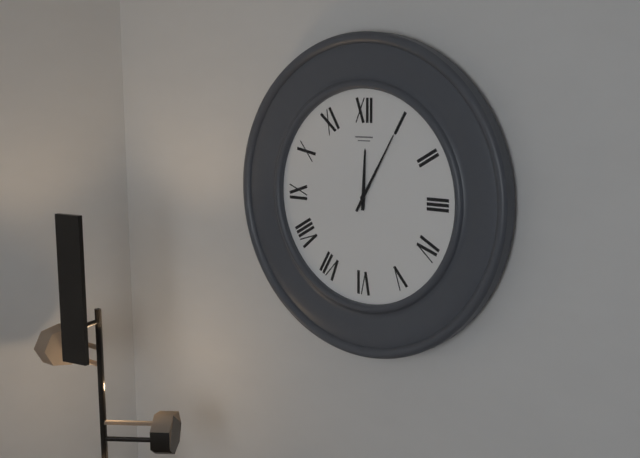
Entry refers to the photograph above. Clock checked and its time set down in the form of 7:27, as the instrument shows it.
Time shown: 12:05
